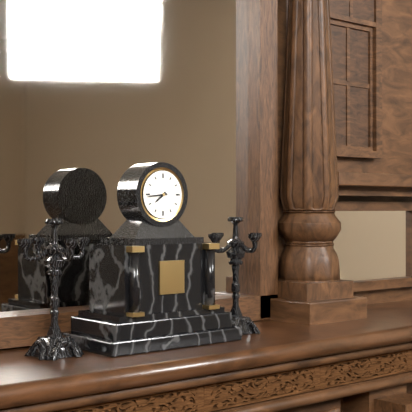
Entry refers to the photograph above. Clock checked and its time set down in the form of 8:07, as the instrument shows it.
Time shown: 7:44
